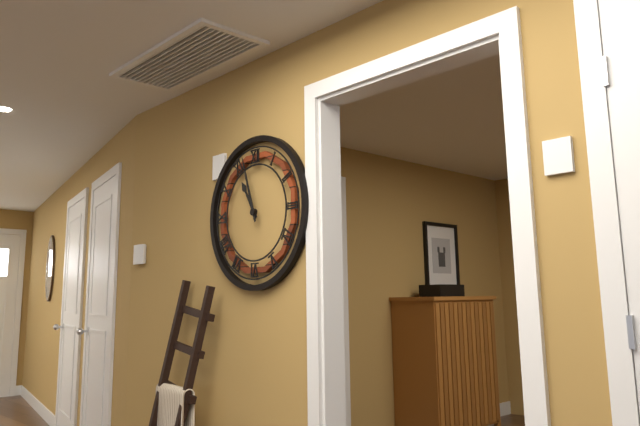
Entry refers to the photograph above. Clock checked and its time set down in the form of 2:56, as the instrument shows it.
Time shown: 10:57
